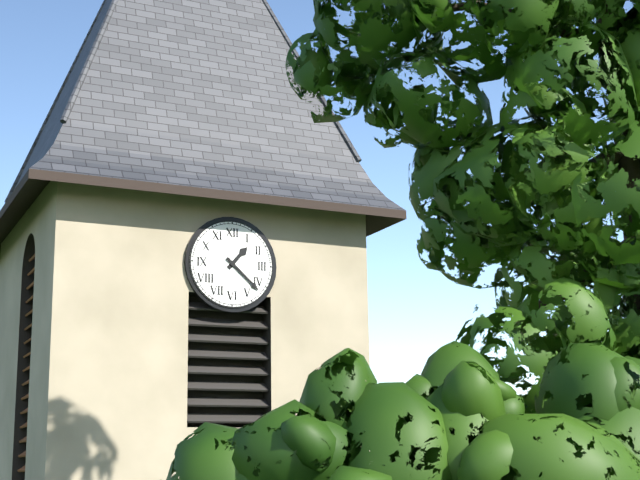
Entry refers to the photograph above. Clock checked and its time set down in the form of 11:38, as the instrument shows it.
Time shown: 1:22
